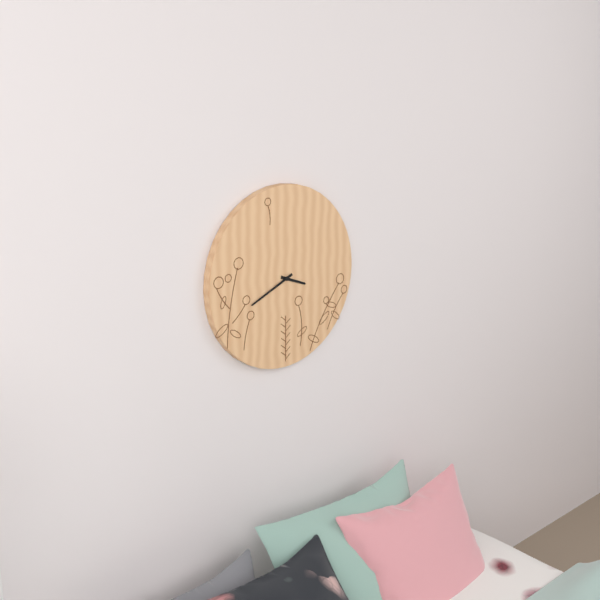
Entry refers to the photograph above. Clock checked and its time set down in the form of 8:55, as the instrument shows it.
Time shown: 3:41
